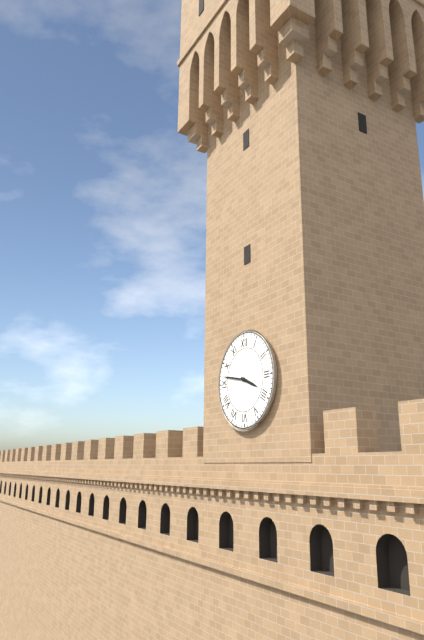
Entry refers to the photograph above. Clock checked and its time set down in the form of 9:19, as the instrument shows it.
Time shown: 3:47
